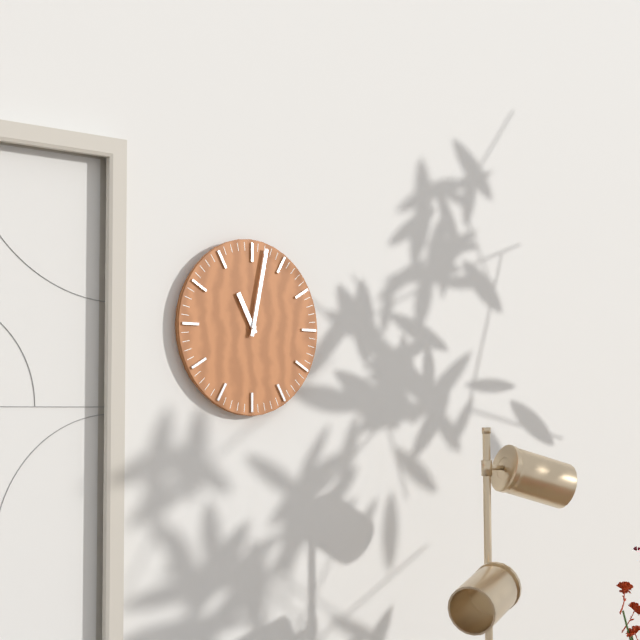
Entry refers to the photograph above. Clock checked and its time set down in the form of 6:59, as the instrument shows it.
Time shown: 11:02
